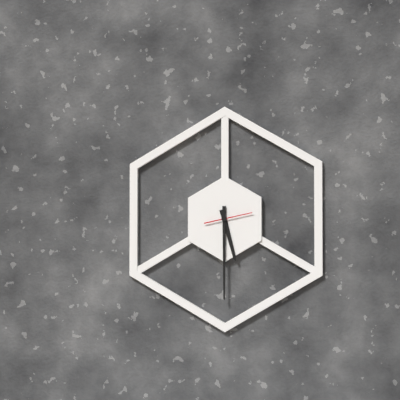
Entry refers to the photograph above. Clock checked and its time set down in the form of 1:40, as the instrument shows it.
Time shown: 5:30
